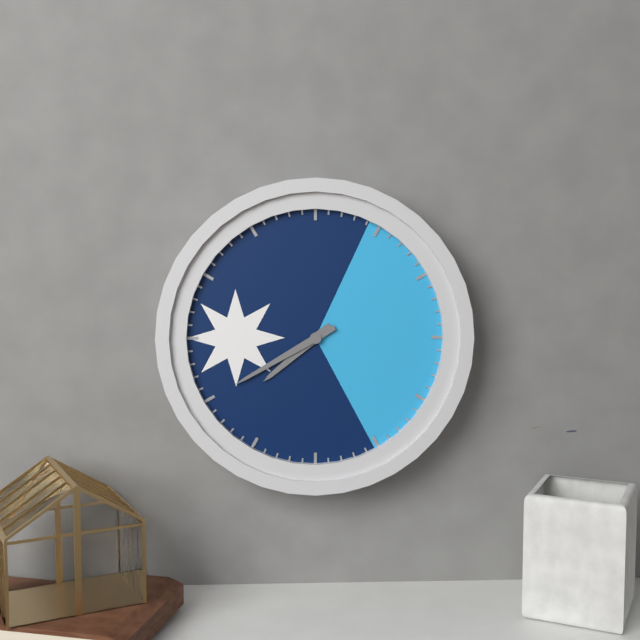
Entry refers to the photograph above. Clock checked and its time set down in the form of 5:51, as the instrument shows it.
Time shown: 7:40
